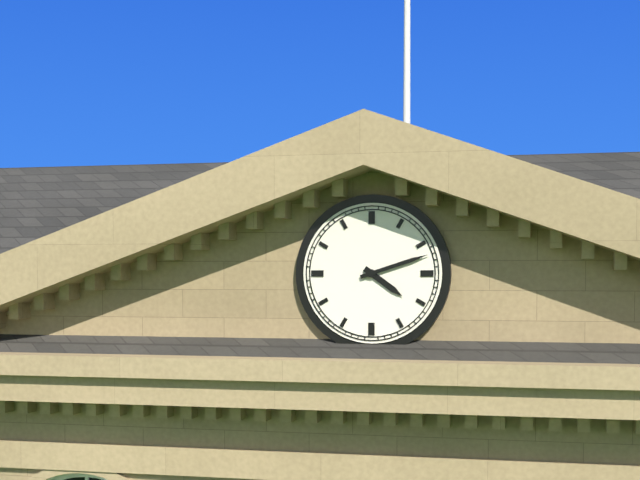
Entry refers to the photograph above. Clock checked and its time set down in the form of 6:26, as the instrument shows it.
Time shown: 4:12
